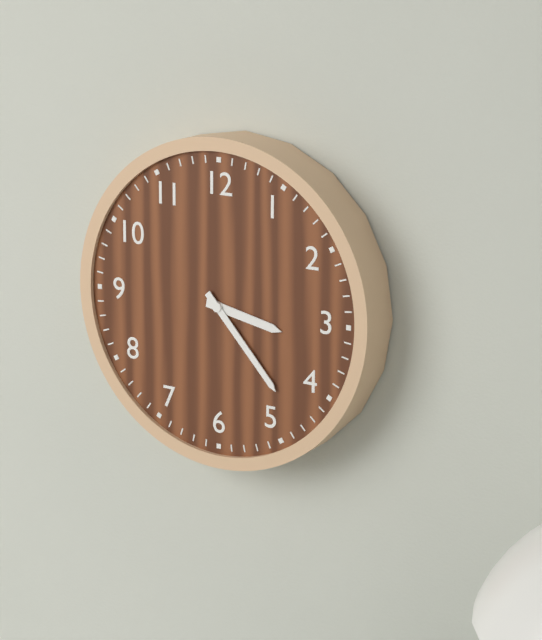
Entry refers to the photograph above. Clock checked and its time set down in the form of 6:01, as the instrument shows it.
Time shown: 3:23
